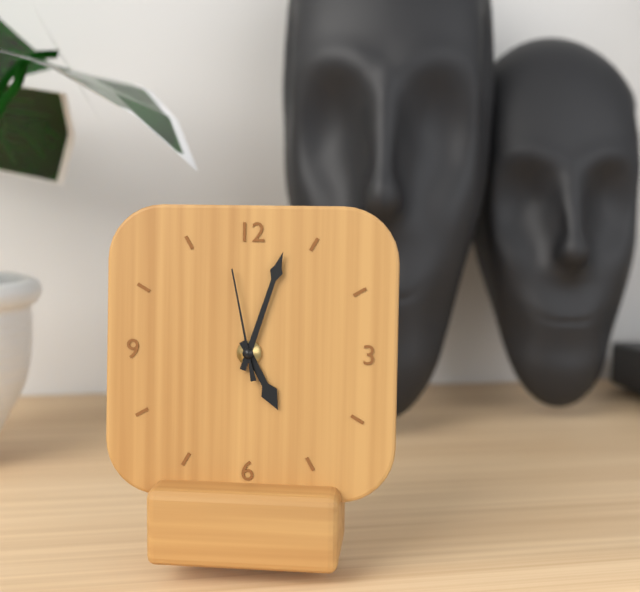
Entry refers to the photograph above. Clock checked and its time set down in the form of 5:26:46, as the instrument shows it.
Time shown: 5:03:58
